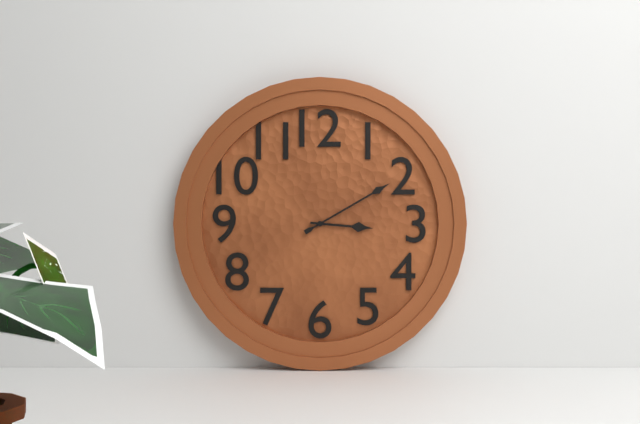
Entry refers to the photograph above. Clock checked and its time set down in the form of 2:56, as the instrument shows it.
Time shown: 3:10
